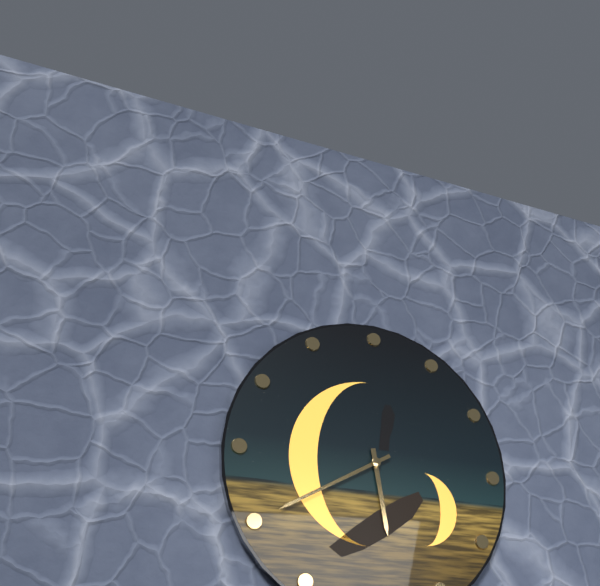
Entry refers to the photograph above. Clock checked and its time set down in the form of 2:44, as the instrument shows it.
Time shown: 5:40
